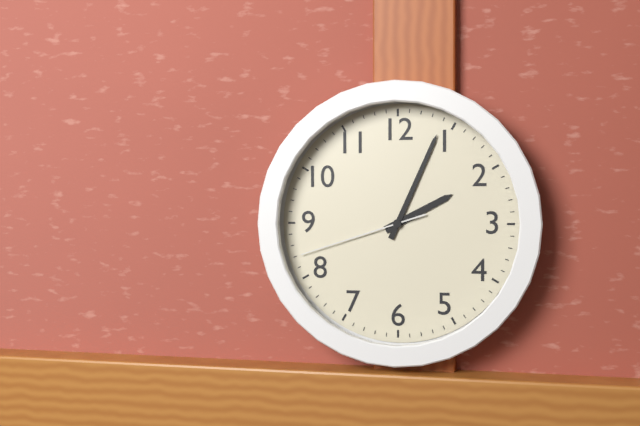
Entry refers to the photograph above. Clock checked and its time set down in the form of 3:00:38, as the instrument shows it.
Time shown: 2:04:42
